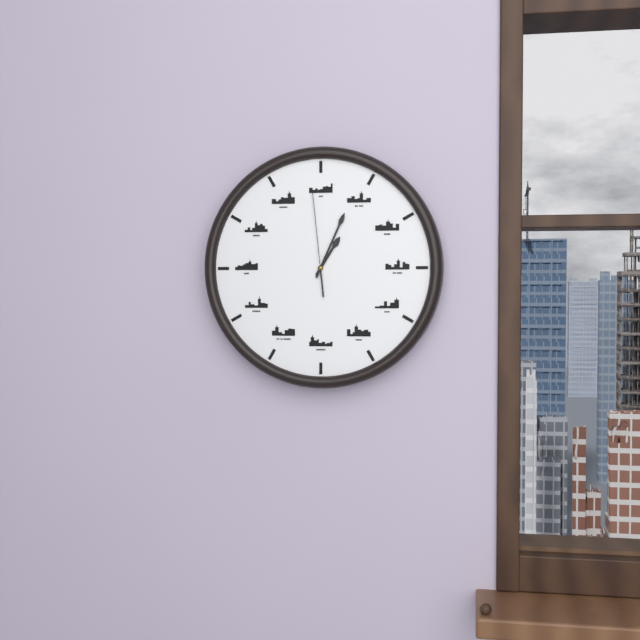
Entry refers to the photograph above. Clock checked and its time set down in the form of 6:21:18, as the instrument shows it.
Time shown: 1:04:59
